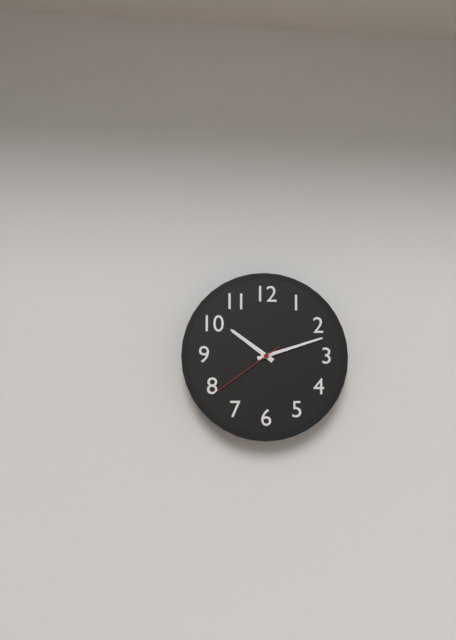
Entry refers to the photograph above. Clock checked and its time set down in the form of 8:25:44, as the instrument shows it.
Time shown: 10:12:39
